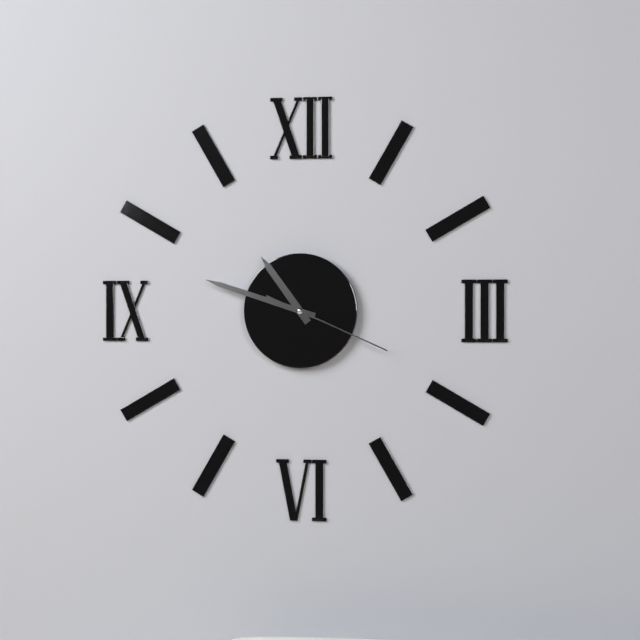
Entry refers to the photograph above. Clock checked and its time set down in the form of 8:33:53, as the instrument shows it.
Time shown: 10:48:19
